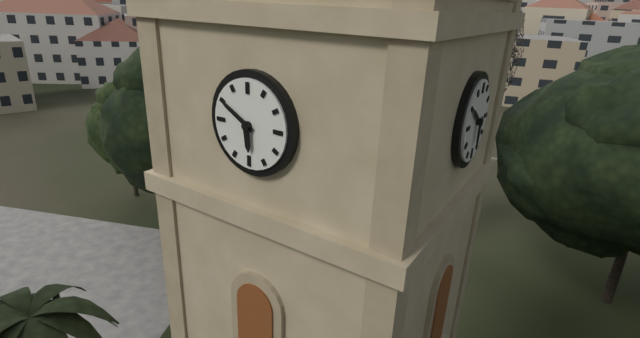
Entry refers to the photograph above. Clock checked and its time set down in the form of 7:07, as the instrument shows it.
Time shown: 5:50
